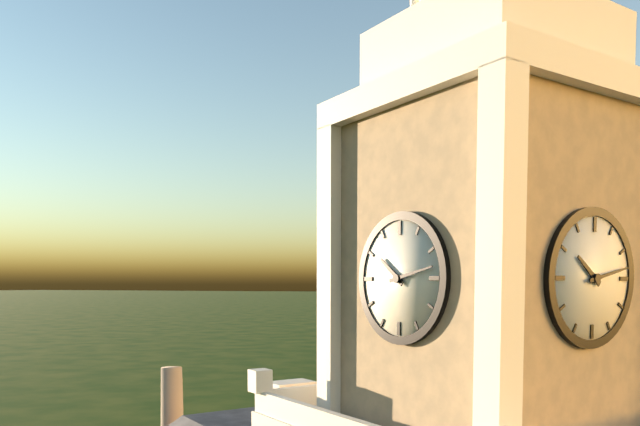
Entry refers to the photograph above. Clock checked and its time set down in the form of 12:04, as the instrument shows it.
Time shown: 10:13
